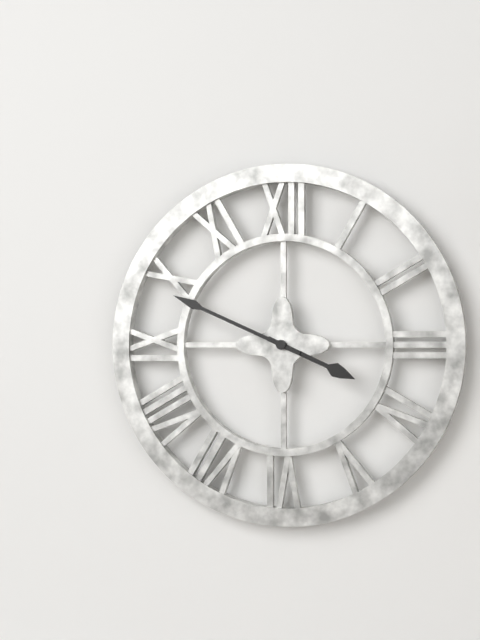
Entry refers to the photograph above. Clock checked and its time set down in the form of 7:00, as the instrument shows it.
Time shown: 3:49
